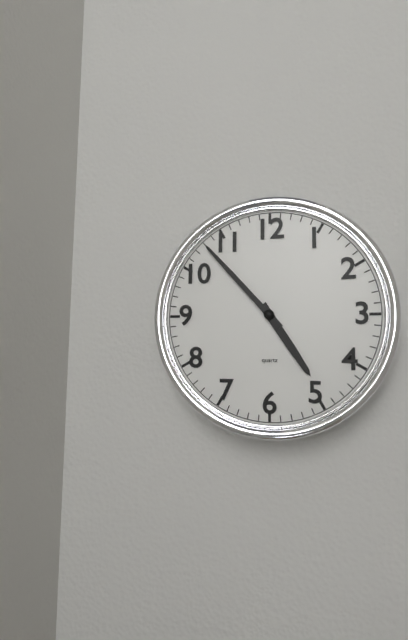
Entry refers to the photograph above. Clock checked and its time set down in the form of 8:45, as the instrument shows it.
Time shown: 4:53
